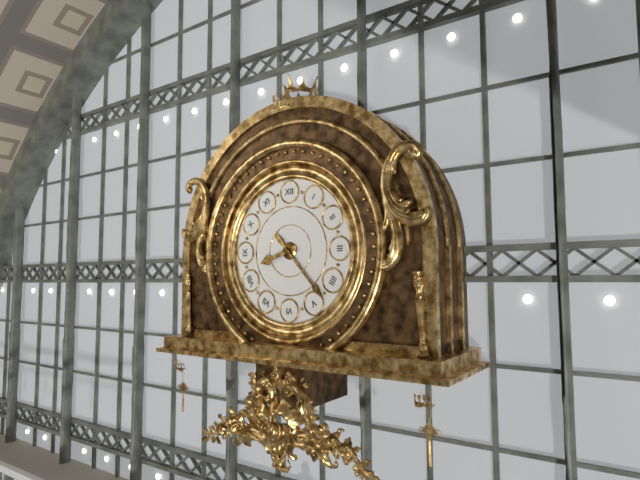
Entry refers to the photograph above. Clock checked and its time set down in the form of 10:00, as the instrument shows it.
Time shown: 8:23
